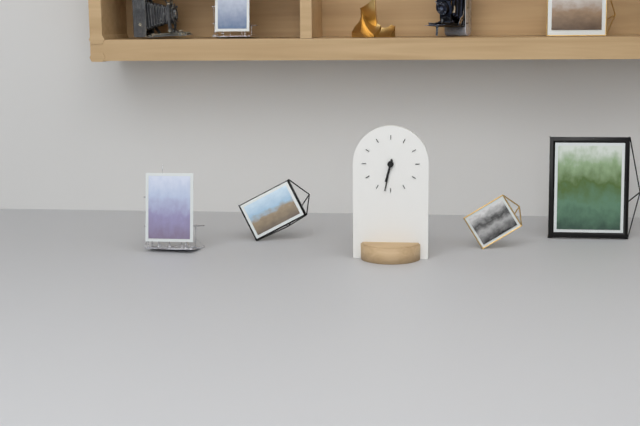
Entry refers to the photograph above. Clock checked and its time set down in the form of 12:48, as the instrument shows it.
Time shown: 6:32
